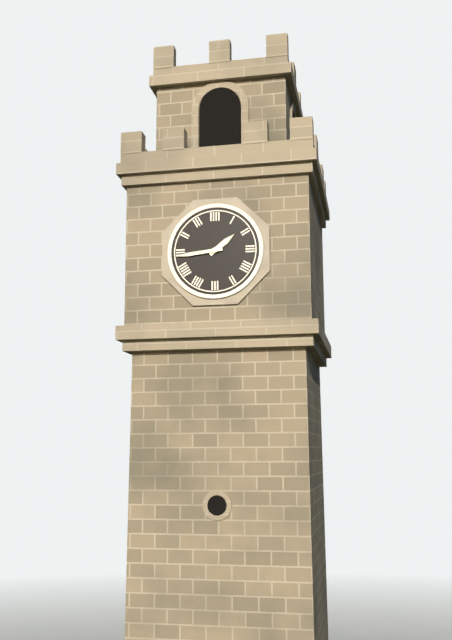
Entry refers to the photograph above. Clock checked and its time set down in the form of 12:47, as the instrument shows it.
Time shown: 1:44
